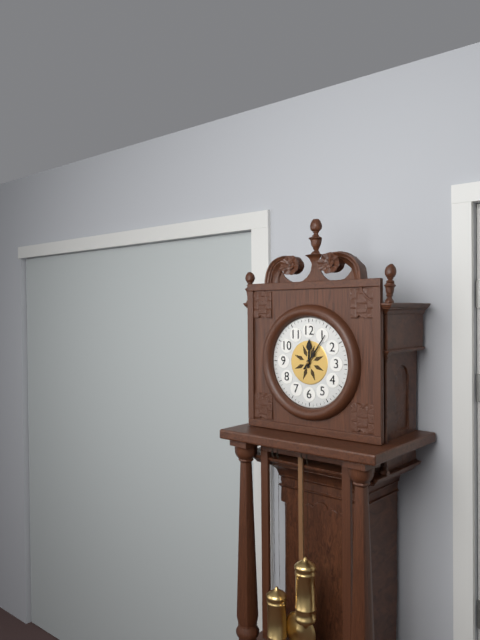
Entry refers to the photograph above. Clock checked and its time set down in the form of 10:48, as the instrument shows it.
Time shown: 12:06
